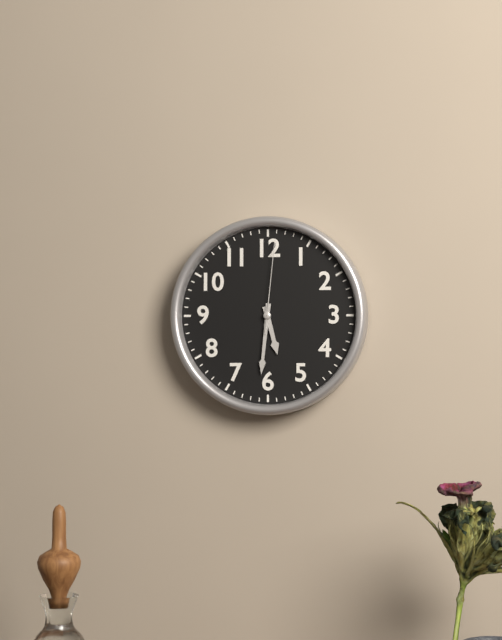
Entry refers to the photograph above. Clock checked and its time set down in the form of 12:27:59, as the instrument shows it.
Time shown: 5:31:01
